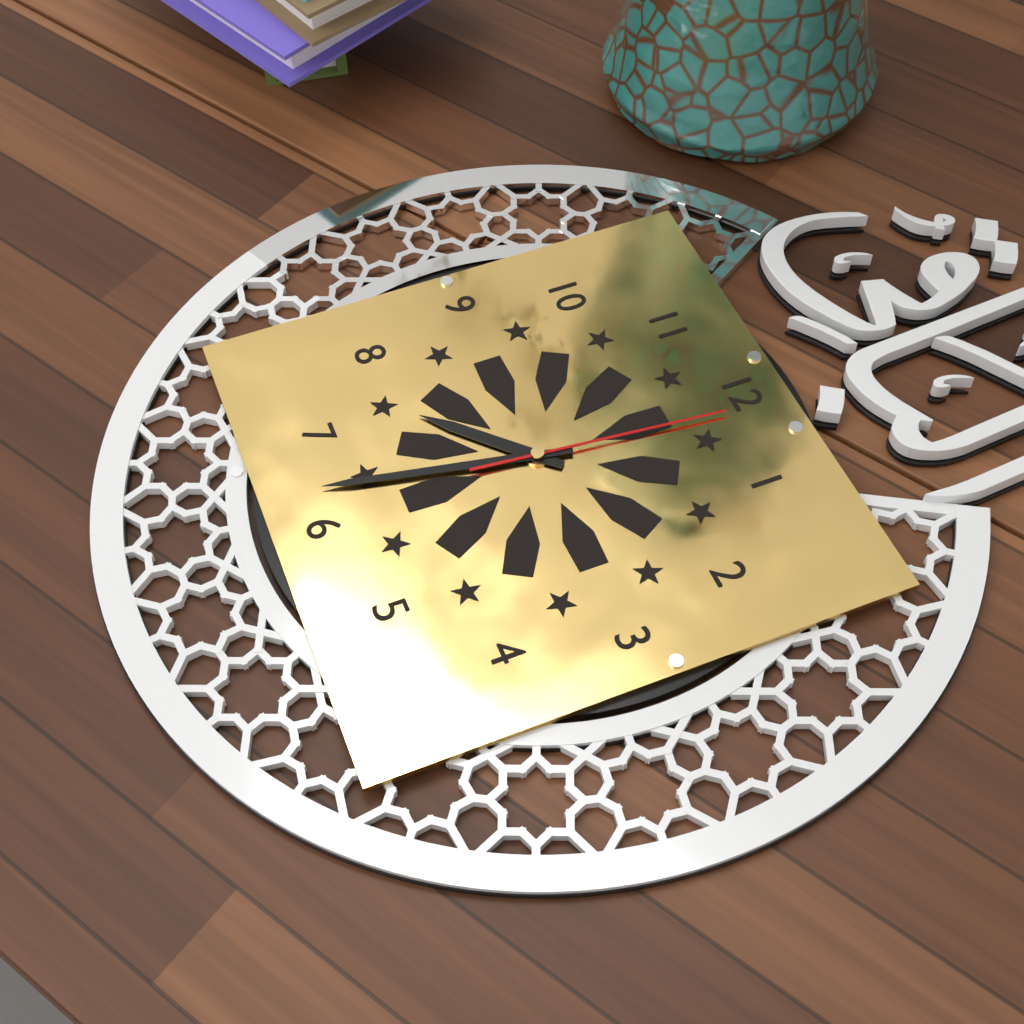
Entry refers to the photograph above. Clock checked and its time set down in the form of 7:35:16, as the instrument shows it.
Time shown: 7:32:01
